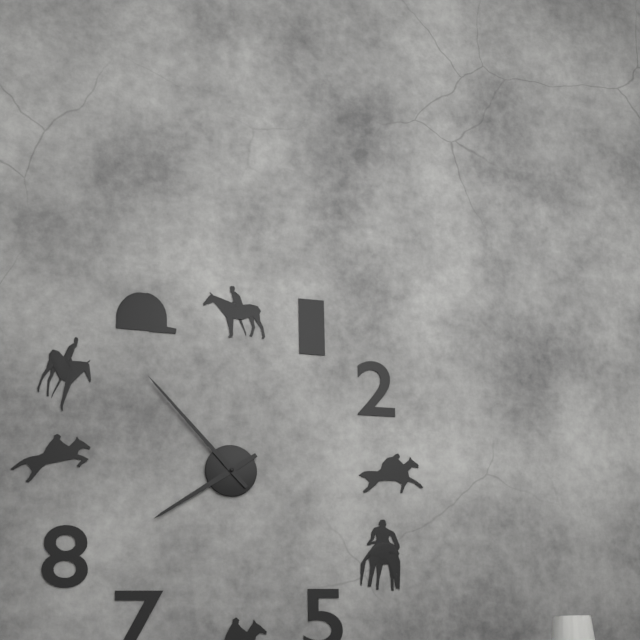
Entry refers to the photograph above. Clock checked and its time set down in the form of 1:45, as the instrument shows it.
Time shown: 7:53
